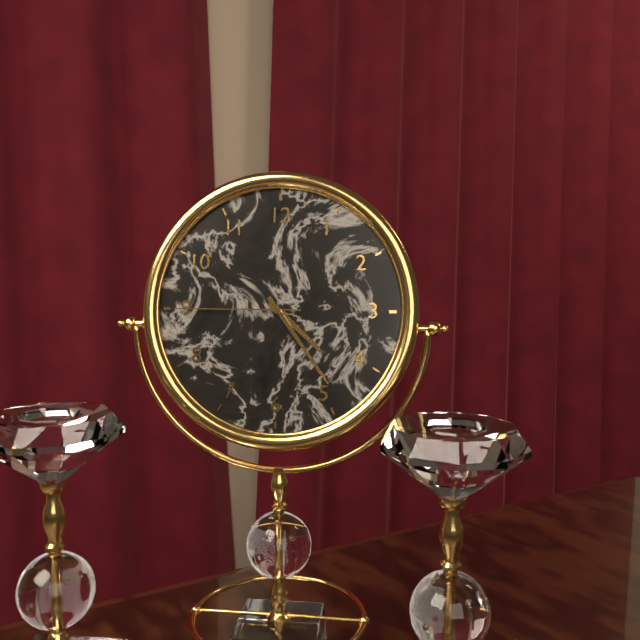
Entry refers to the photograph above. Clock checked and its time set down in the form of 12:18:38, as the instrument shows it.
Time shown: 4:24:45
